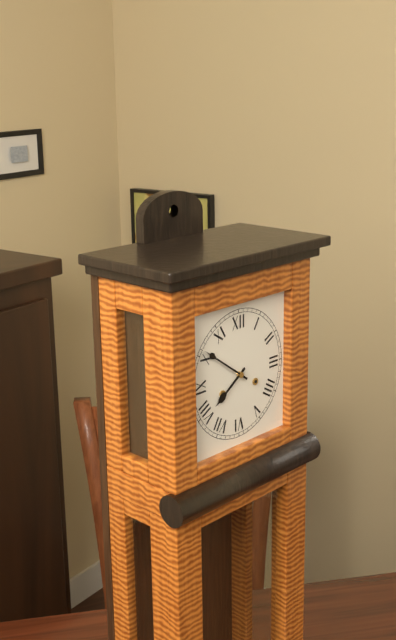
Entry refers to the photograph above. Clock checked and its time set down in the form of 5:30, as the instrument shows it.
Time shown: 7:51
